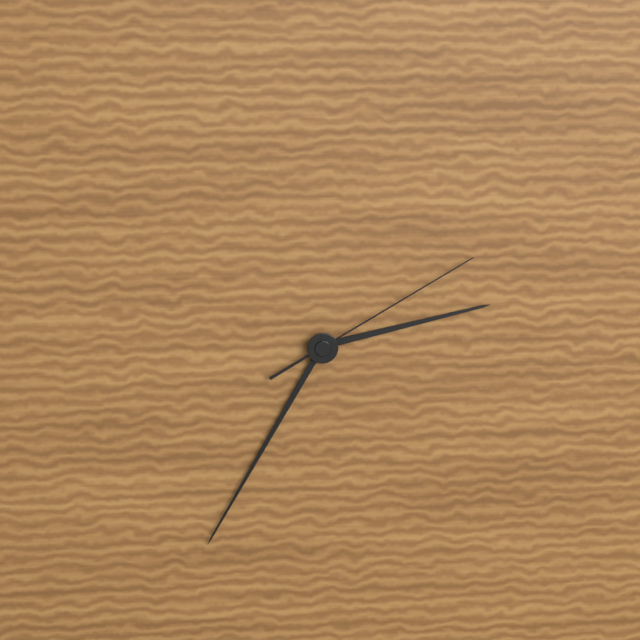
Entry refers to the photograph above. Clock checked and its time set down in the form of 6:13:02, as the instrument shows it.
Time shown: 2:35:10
